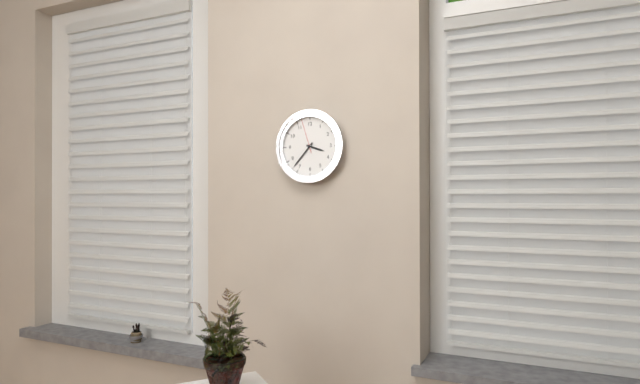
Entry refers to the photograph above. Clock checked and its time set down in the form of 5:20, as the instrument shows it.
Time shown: 3:37
